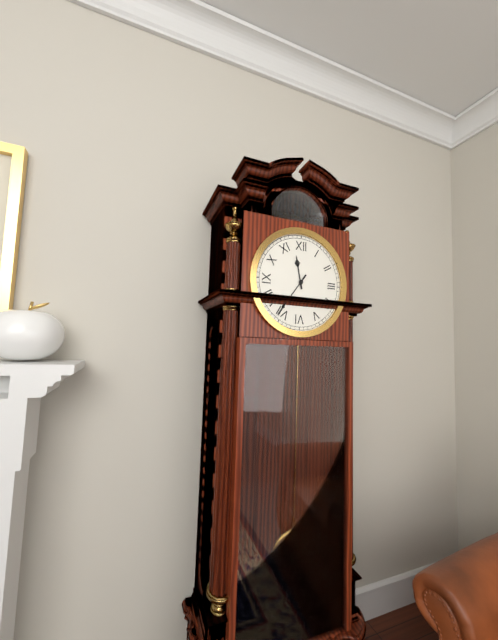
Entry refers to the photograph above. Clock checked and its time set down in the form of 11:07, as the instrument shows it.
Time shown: 11:36
